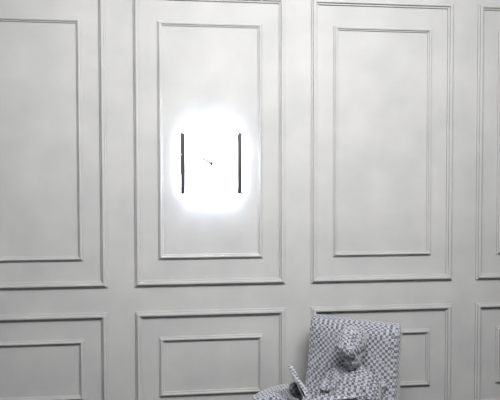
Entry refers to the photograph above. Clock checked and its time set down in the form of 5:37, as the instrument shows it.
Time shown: 10:02
